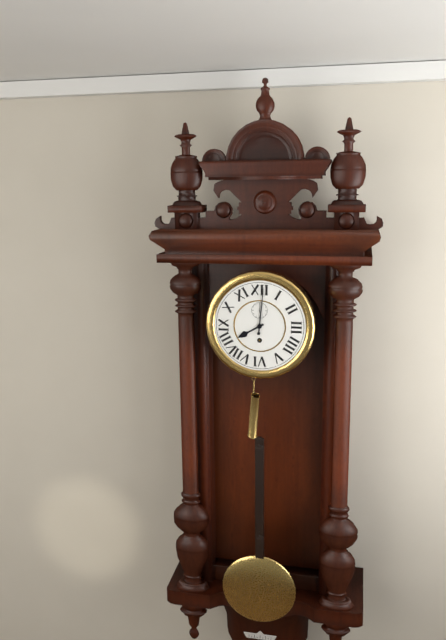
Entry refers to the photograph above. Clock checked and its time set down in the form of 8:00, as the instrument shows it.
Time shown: 8:01
